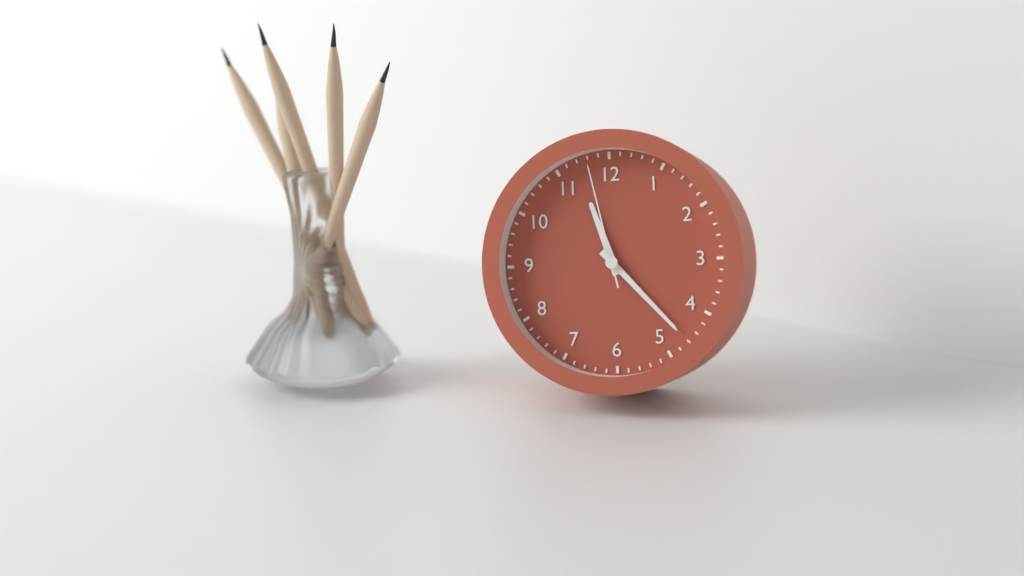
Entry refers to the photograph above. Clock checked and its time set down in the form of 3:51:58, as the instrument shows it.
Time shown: 11:23:58
